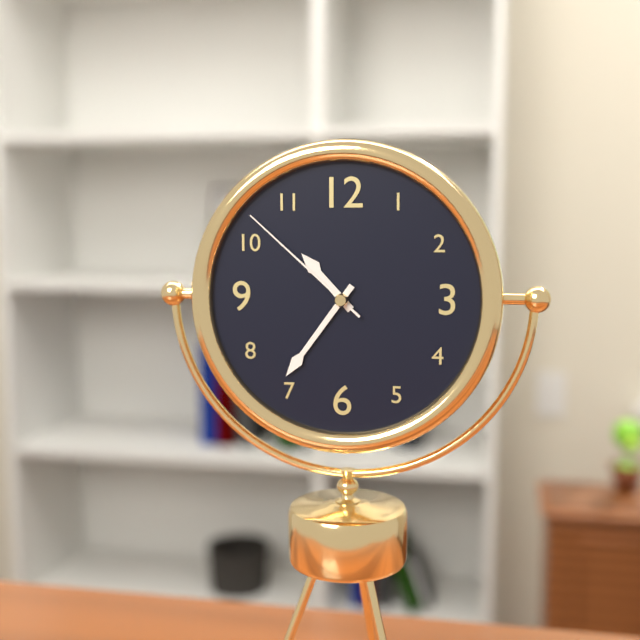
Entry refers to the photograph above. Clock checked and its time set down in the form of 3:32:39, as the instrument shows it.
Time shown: 10:36:52
